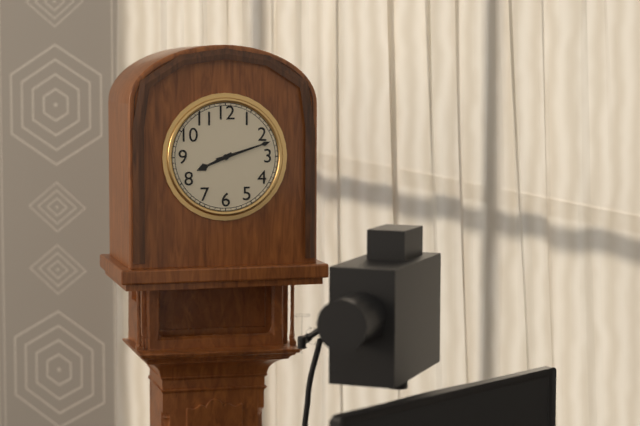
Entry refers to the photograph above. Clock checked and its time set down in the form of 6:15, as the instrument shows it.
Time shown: 8:12
